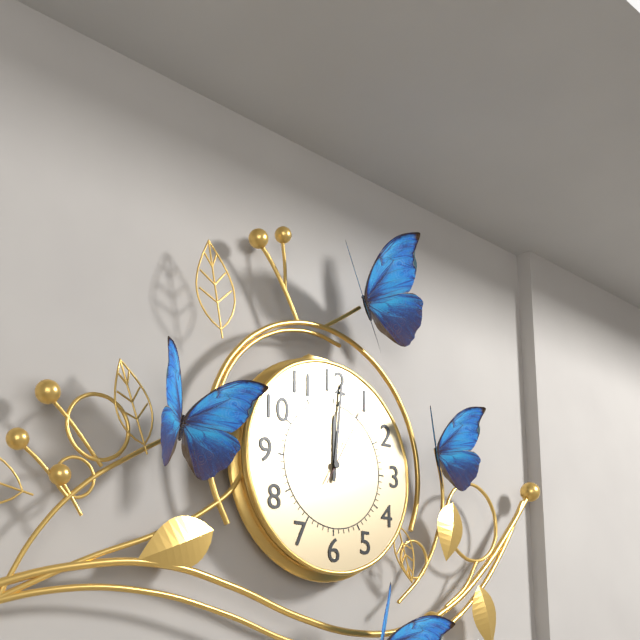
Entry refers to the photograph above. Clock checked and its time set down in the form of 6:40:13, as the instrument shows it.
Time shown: 12:01:05
